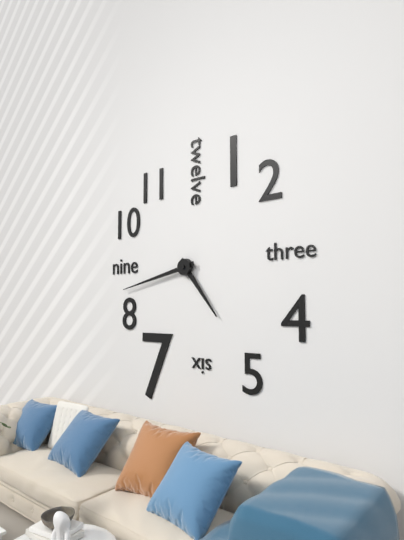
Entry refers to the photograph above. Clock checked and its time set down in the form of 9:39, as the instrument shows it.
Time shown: 4:43
